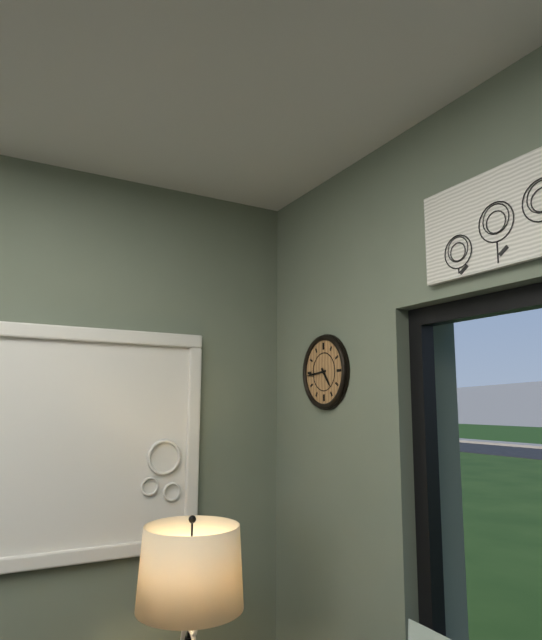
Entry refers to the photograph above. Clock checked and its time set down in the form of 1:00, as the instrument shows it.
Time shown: 4:44
